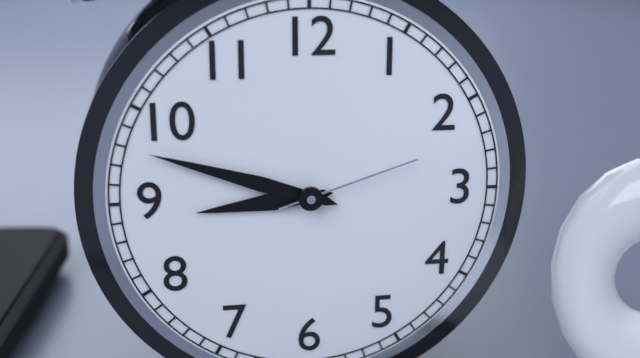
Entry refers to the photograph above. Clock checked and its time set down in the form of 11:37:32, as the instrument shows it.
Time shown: 8:48:12
